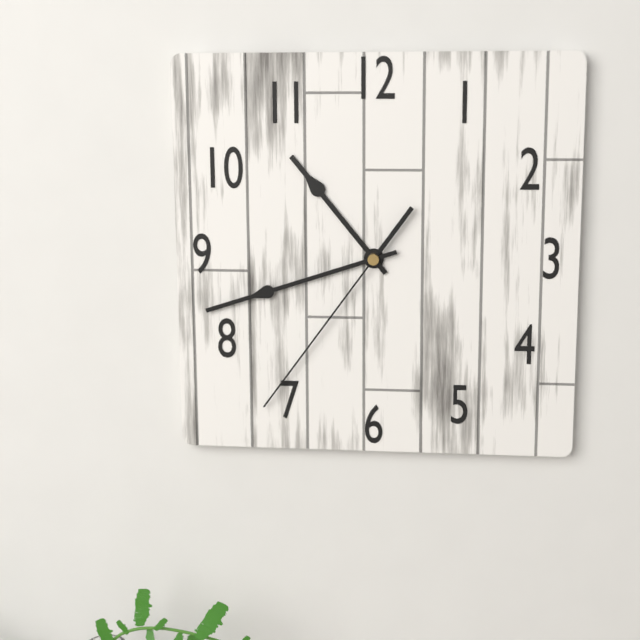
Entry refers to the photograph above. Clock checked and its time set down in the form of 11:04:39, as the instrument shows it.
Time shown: 10:42:36
